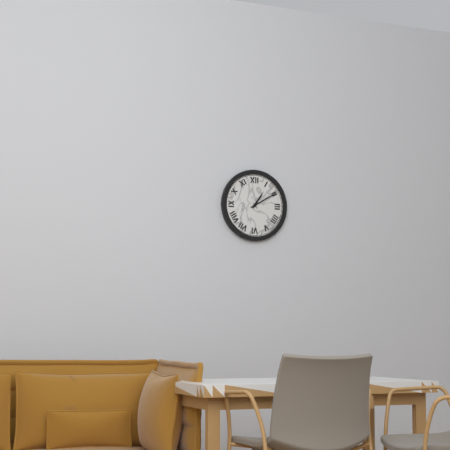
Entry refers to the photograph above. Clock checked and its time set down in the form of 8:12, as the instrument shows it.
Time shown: 1:10
